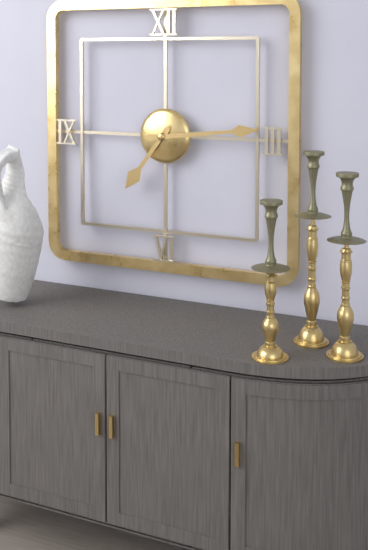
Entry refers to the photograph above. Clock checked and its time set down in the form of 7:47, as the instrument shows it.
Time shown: 7:14
